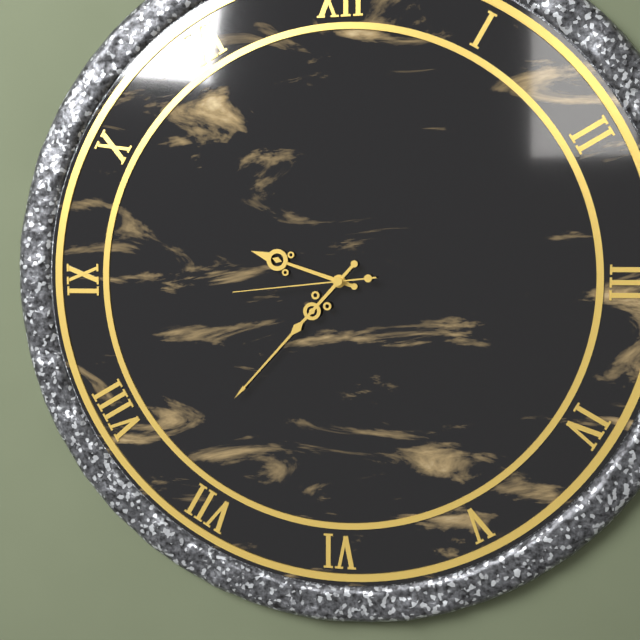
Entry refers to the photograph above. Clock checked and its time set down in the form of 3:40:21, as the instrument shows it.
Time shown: 9:37:44
